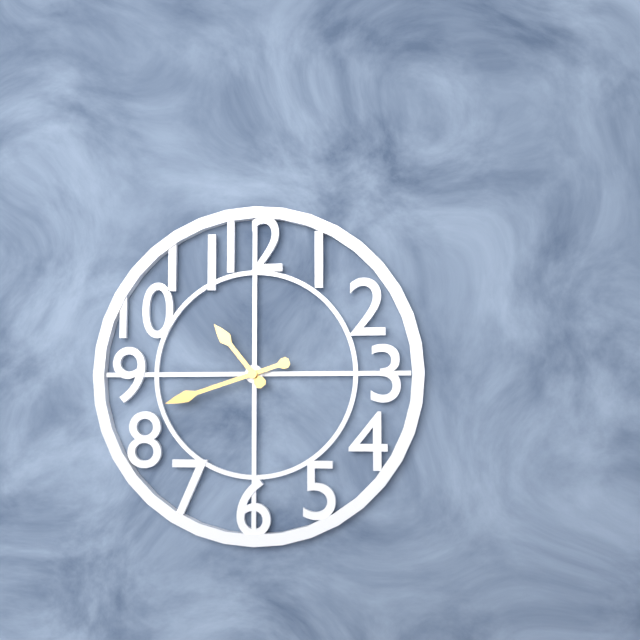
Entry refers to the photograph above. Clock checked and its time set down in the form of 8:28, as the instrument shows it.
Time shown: 10:42
